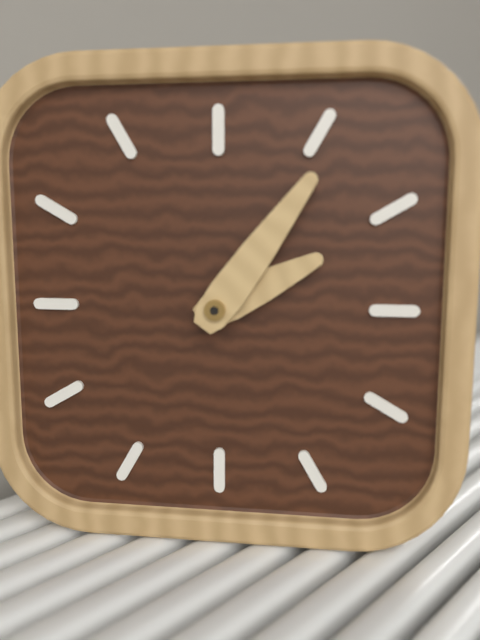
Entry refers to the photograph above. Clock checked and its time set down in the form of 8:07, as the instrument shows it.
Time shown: 2:06
